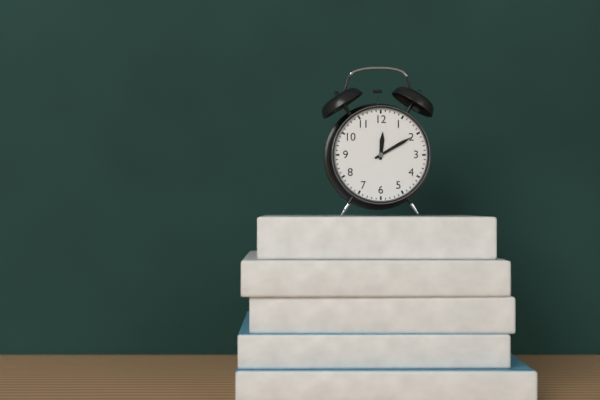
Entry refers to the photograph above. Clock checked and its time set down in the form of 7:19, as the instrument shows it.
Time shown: 12:10
